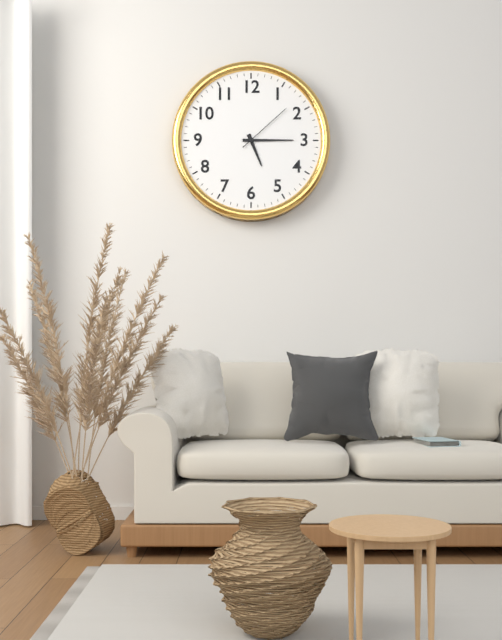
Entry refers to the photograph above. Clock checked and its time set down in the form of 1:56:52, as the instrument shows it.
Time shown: 5:15:08
